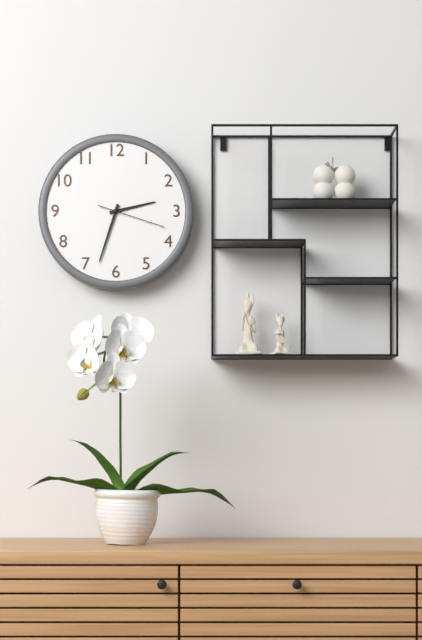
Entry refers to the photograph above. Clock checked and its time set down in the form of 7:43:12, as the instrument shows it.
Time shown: 2:33:18
